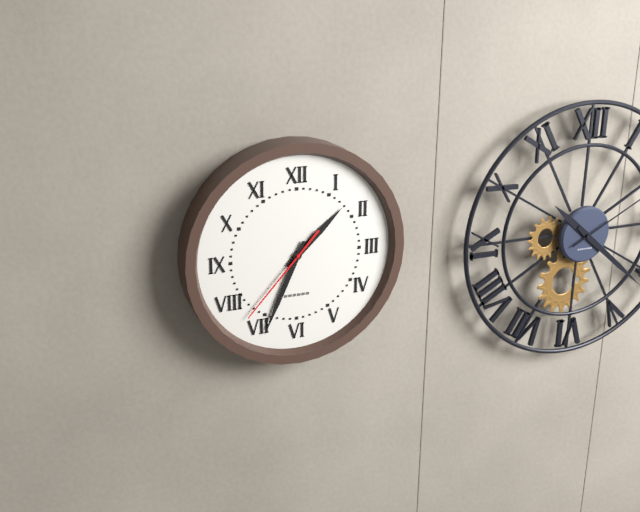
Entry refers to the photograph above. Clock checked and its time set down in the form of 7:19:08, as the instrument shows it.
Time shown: 1:34:37
